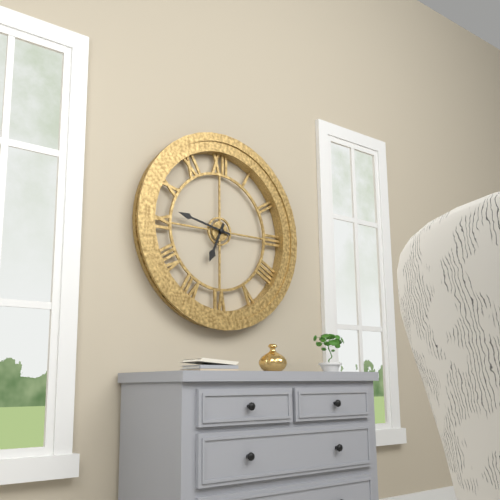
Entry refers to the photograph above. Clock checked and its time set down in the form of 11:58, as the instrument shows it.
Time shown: 6:47
